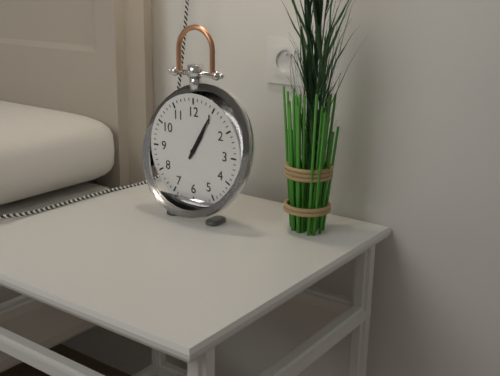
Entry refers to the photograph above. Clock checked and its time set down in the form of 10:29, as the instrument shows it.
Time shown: 1:05
